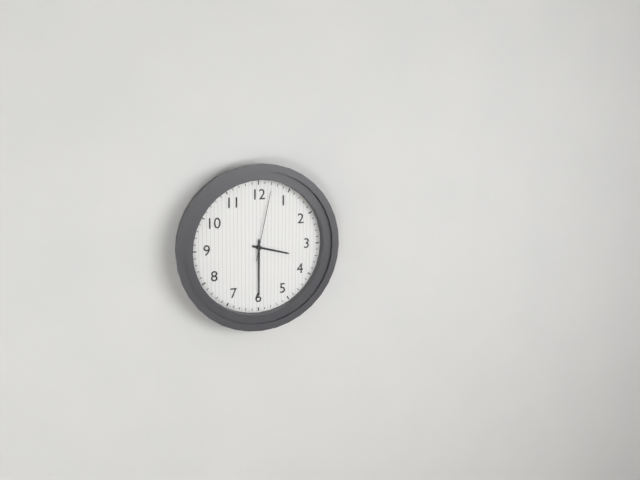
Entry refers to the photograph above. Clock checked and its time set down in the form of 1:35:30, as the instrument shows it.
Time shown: 3:30:02
